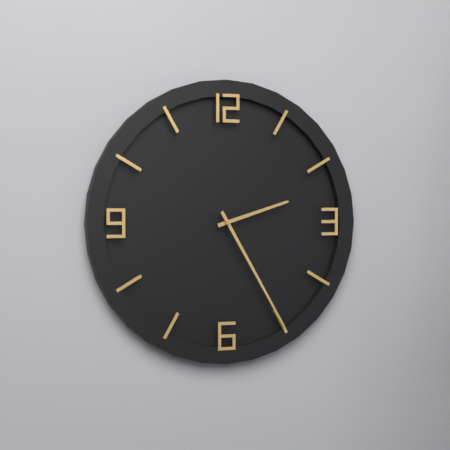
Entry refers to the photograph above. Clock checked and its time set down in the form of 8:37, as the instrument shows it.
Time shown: 2:25
